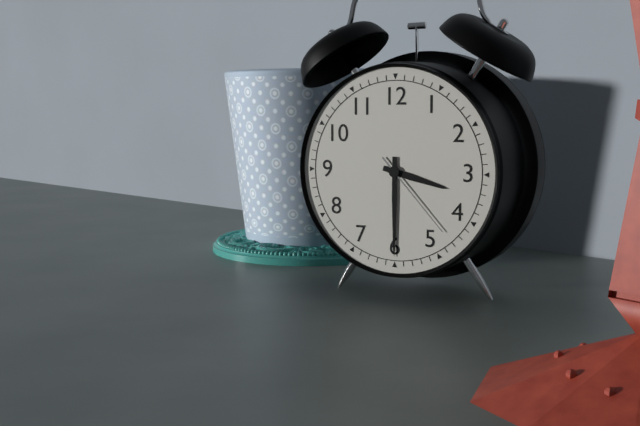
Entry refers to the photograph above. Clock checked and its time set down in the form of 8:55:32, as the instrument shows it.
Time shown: 3:30:23
